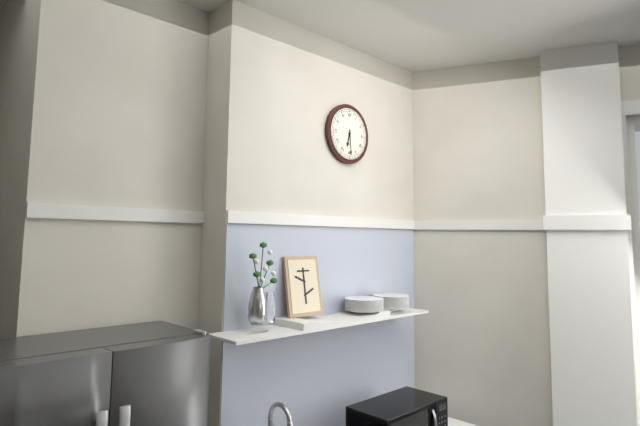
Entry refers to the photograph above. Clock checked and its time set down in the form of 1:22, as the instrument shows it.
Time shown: 6:29
